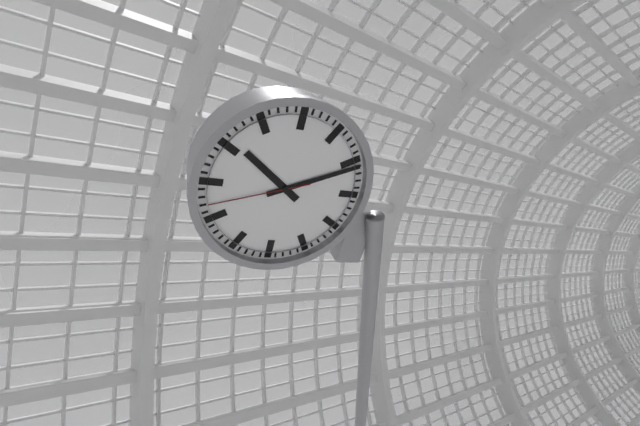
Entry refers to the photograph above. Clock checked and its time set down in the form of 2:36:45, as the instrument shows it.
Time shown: 10:11:42
